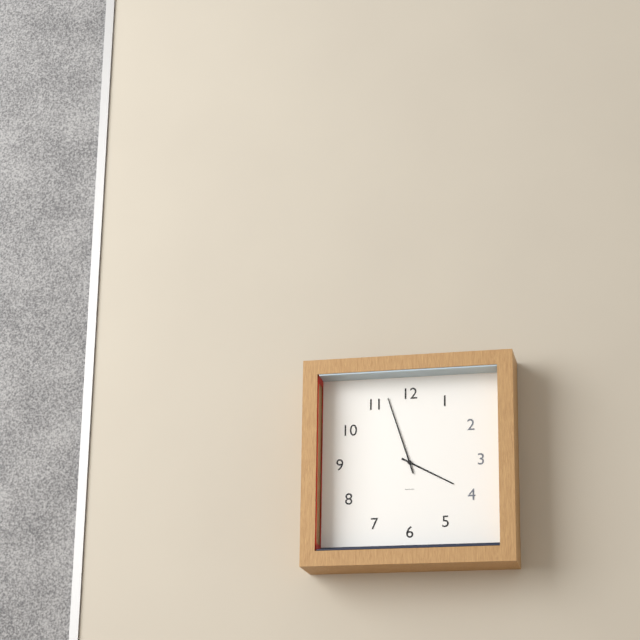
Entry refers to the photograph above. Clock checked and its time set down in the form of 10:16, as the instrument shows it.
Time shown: 3:57
